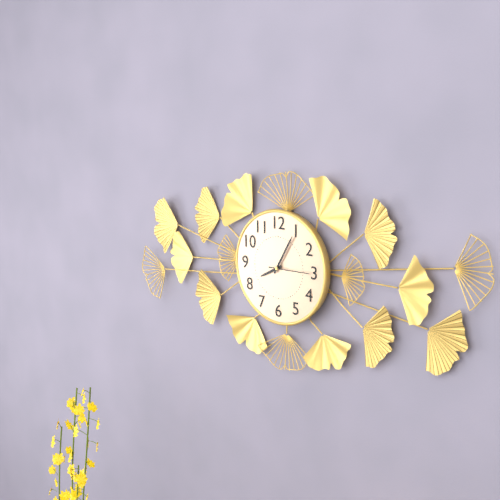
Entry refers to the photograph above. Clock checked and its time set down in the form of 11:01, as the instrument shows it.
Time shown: 8:05
